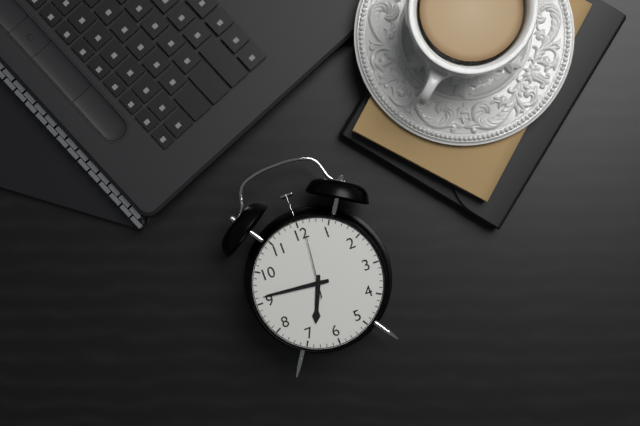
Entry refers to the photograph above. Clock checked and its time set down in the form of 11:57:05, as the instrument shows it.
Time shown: 6:46:01
